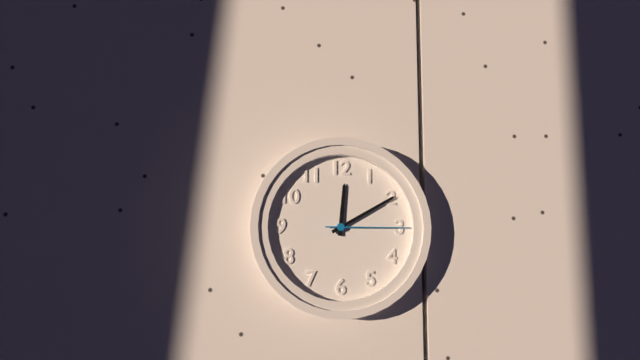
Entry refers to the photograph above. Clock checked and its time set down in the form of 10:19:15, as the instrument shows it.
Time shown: 12:10:15
